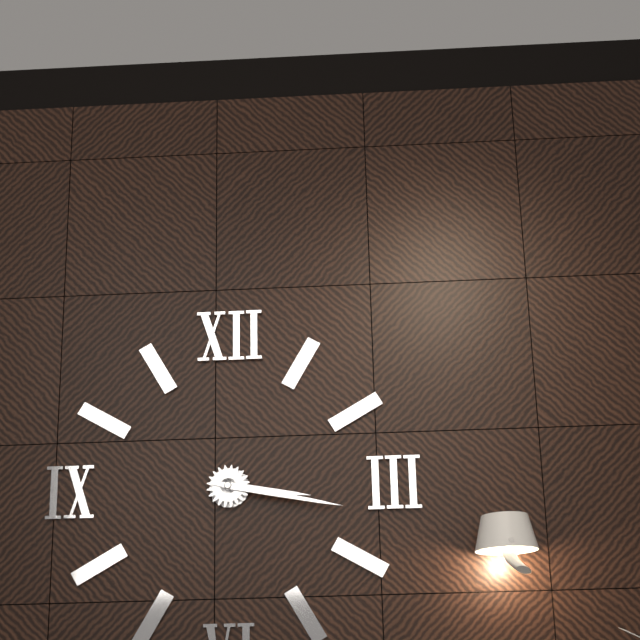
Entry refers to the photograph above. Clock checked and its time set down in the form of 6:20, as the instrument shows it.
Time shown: 3:17
